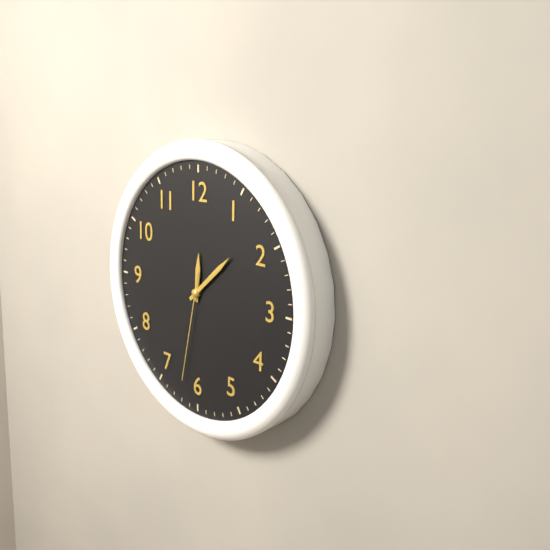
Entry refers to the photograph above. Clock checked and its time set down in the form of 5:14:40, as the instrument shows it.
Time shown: 12:08:32
